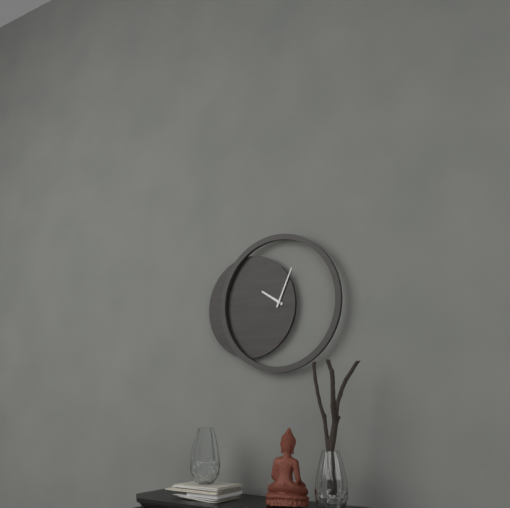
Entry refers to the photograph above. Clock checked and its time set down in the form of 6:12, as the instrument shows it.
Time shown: 10:04
